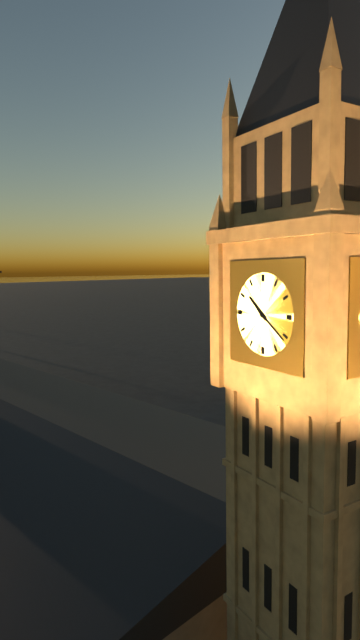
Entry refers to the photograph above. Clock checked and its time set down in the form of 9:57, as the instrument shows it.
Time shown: 10:21
